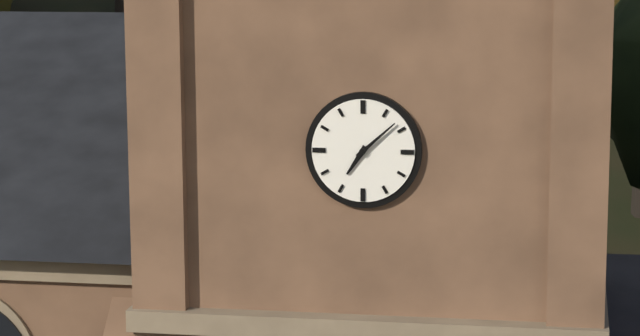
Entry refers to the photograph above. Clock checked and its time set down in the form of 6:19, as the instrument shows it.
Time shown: 7:08
